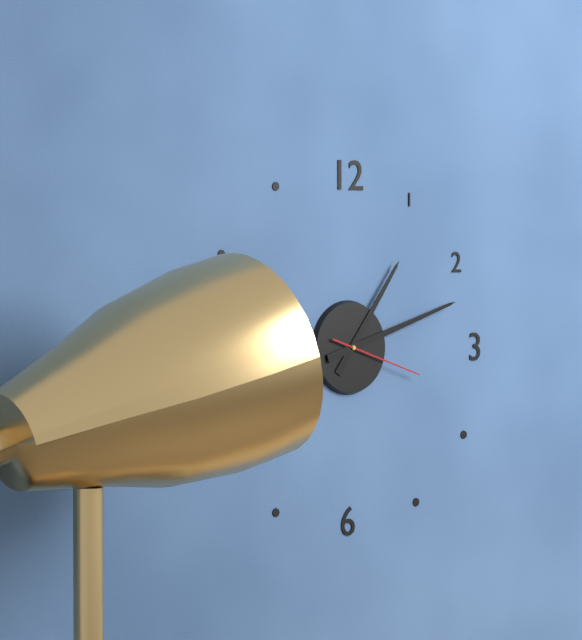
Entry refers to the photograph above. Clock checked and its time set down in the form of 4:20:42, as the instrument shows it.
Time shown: 1:12:18
